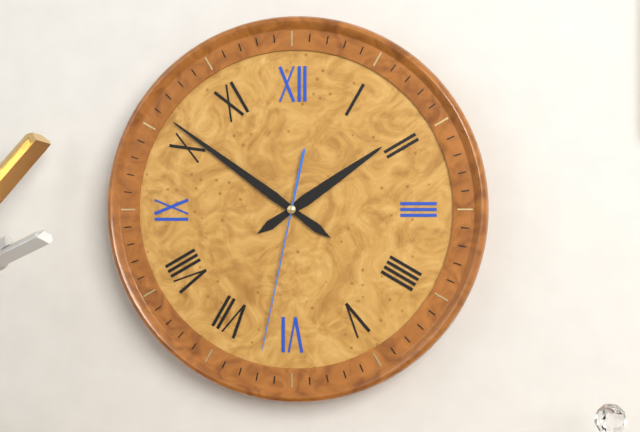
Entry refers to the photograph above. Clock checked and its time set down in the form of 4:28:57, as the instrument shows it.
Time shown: 1:51:32
